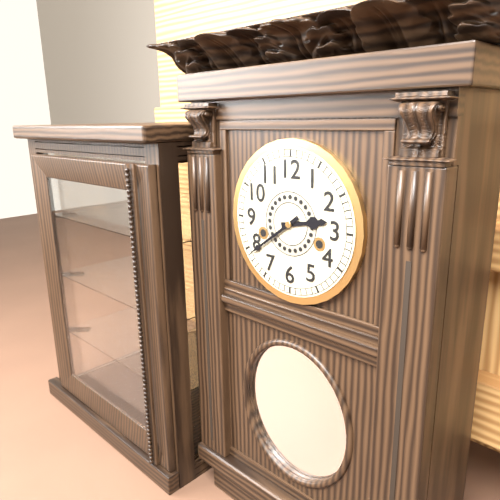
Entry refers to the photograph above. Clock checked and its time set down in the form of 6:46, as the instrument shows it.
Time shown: 2:39
